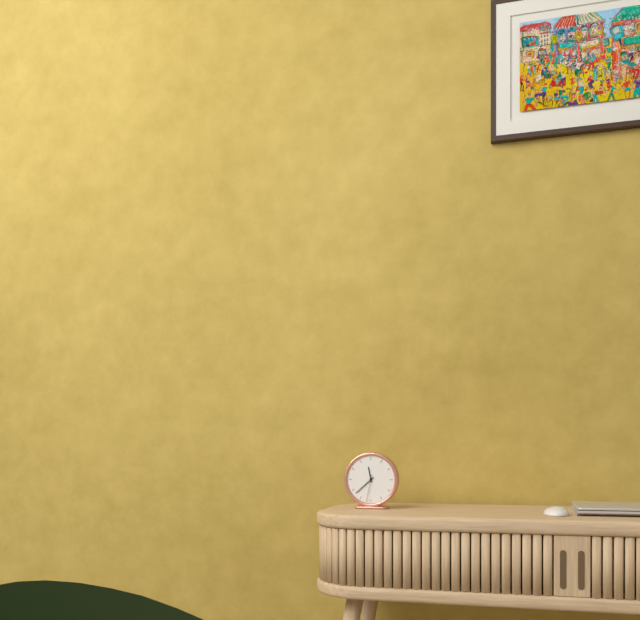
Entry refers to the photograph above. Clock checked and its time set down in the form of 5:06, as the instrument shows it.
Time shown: 11:38
